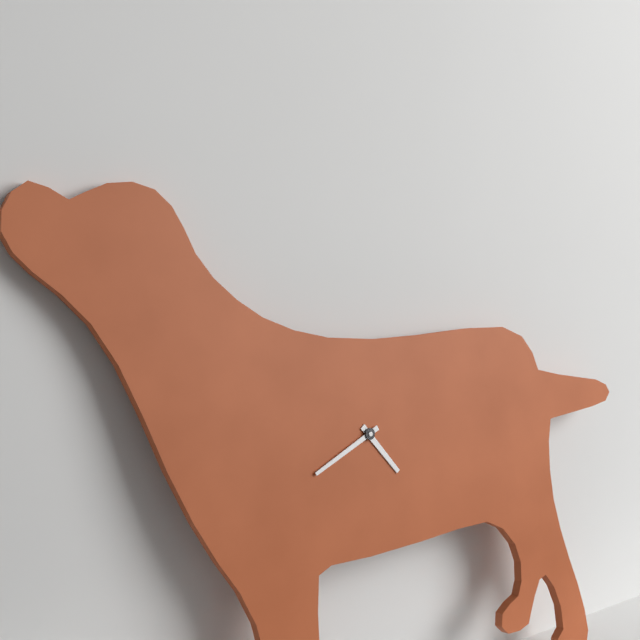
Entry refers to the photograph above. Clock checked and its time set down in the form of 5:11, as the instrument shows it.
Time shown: 4:41
